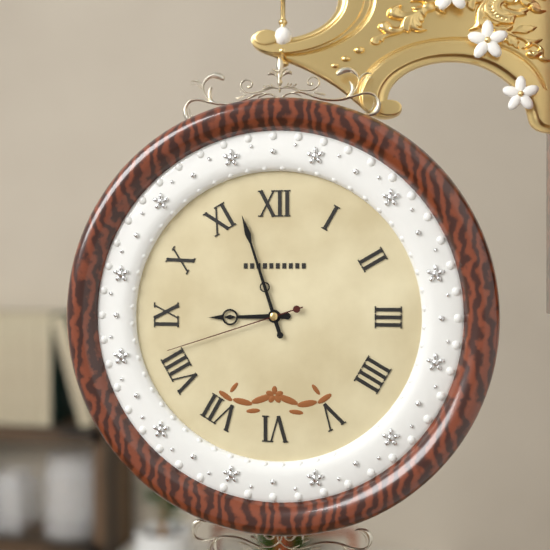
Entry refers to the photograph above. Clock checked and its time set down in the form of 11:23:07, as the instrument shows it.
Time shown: 8:57:42
